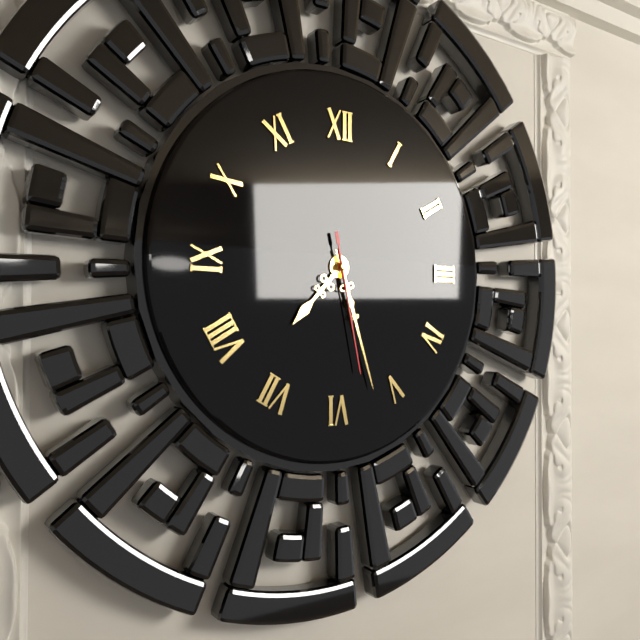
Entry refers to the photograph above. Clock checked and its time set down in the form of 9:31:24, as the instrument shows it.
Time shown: 7:27:28
